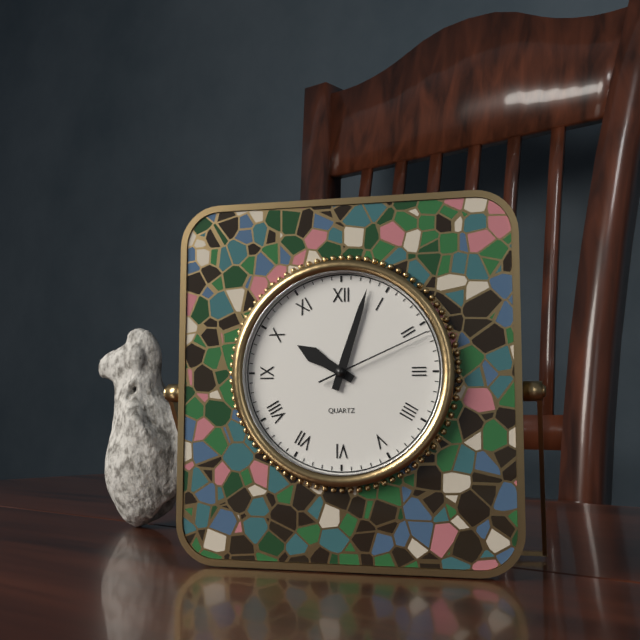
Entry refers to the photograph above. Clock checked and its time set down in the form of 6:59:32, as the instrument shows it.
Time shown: 10:03:11
